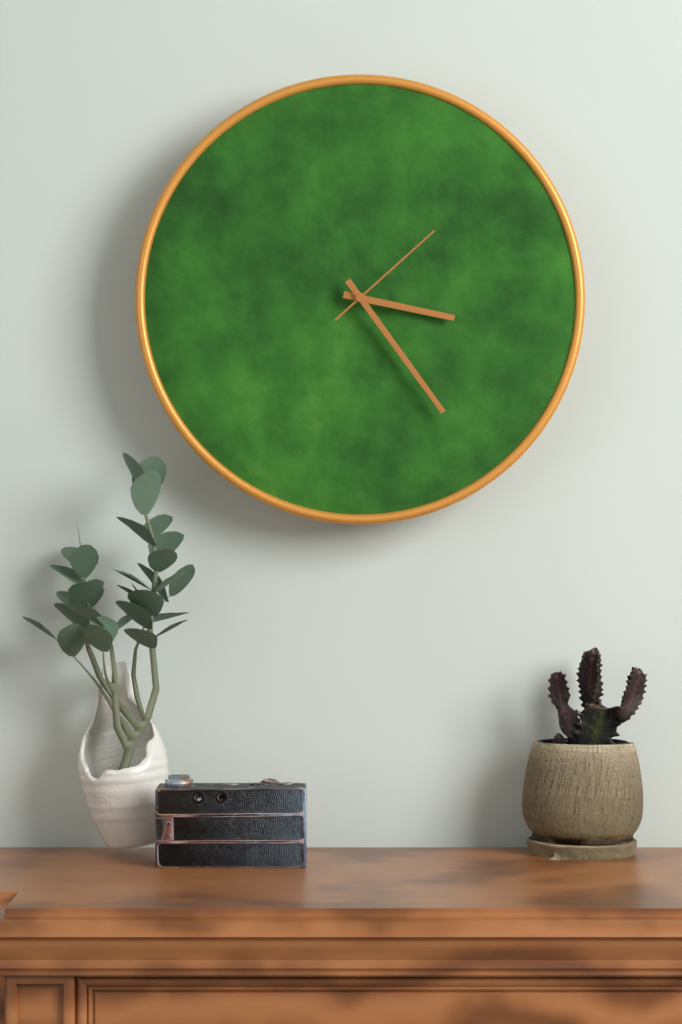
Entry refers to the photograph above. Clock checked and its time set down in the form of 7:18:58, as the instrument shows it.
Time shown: 3:24:08
